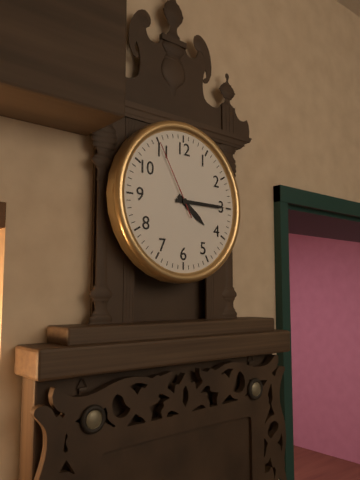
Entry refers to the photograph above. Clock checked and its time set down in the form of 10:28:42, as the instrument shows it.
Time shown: 4:15:55
